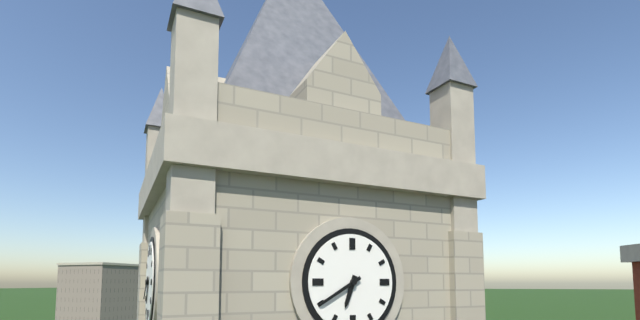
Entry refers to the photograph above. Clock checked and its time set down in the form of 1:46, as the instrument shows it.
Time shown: 6:40
